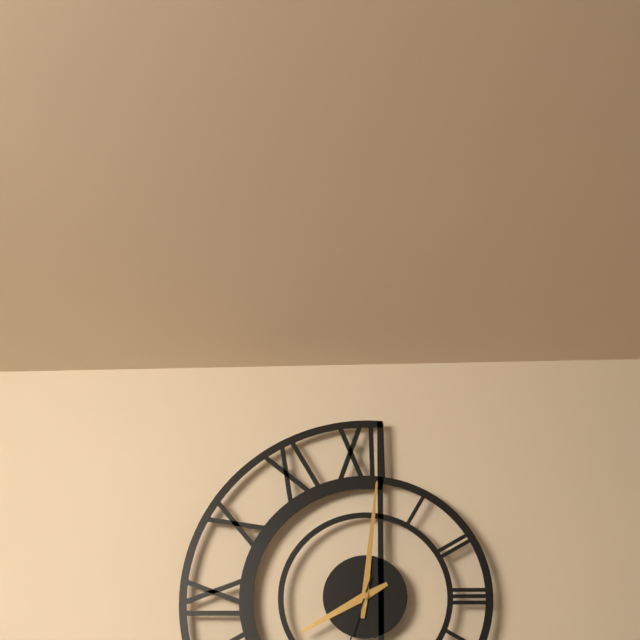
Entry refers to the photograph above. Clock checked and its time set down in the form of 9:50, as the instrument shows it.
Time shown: 8:01
